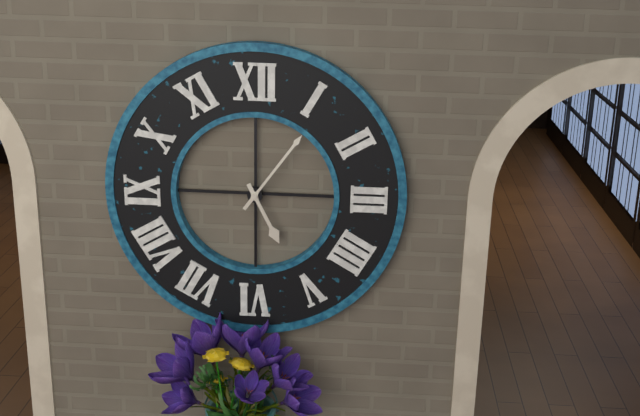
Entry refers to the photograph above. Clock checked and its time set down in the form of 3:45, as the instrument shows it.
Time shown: 5:06
